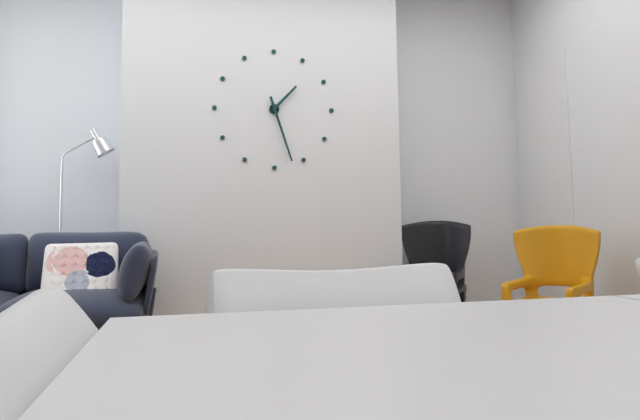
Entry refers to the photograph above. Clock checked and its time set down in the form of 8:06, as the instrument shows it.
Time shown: 1:27
